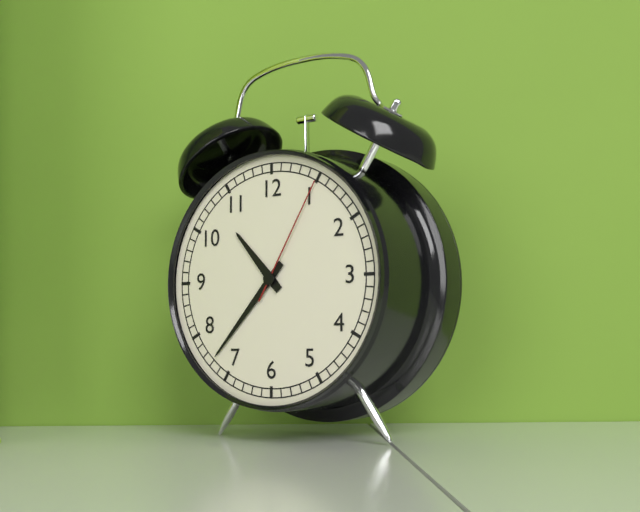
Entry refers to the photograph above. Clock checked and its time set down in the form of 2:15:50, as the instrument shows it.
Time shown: 10:37:05
